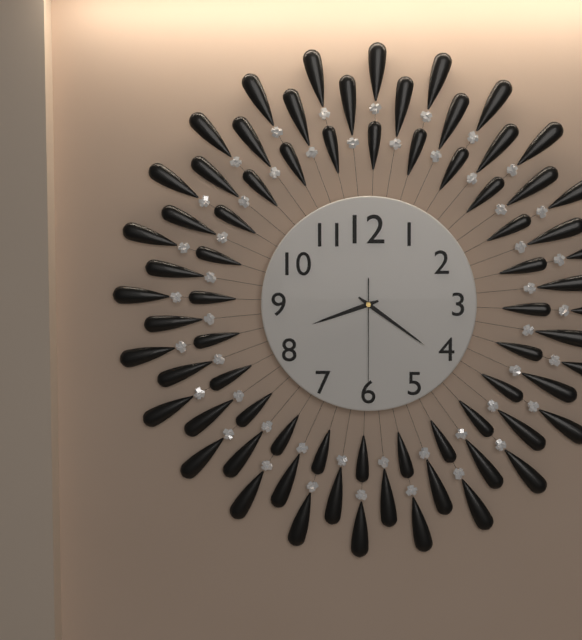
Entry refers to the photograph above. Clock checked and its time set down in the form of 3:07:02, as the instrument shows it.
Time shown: 8:21:30
